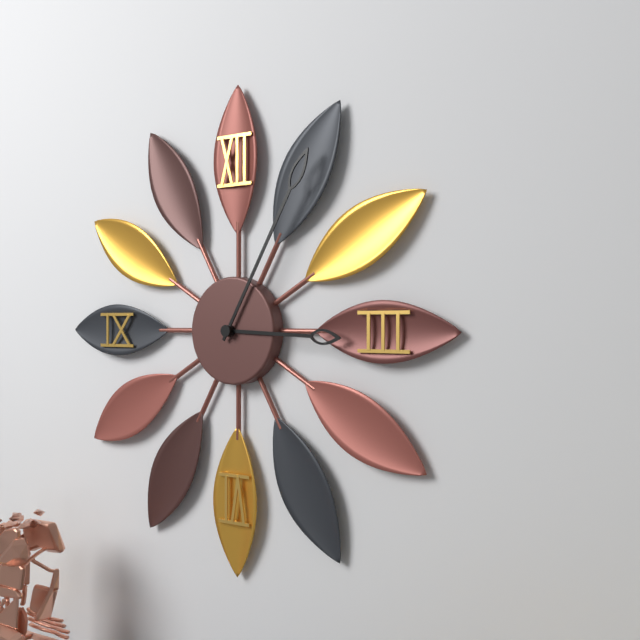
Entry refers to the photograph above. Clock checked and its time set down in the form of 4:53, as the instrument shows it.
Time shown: 3:05
